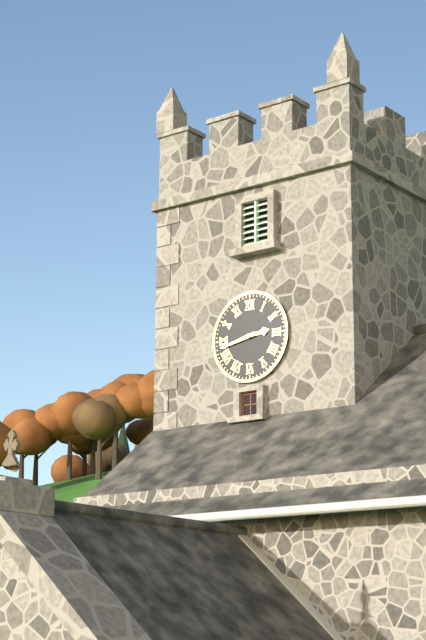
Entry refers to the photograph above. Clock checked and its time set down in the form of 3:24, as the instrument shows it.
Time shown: 2:43
